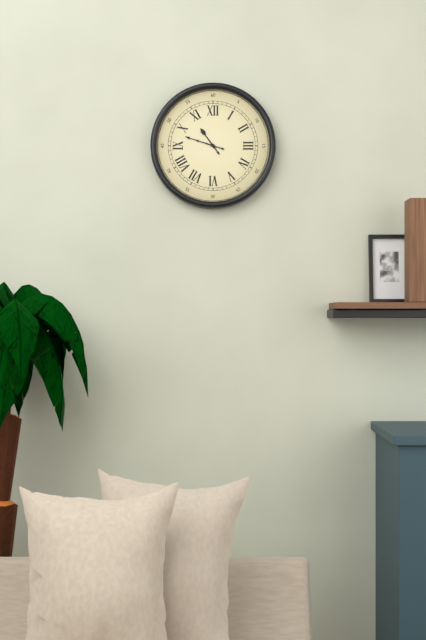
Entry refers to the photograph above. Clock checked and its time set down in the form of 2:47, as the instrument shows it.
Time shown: 10:48
